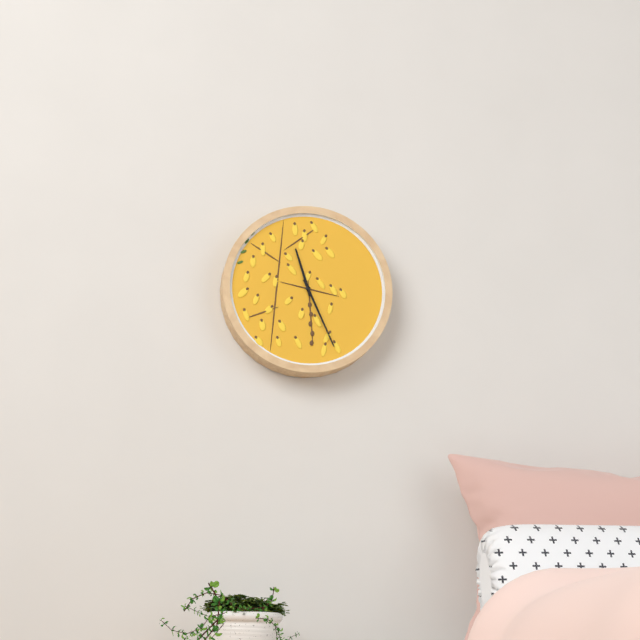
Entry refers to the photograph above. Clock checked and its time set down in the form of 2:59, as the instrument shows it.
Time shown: 11:26
